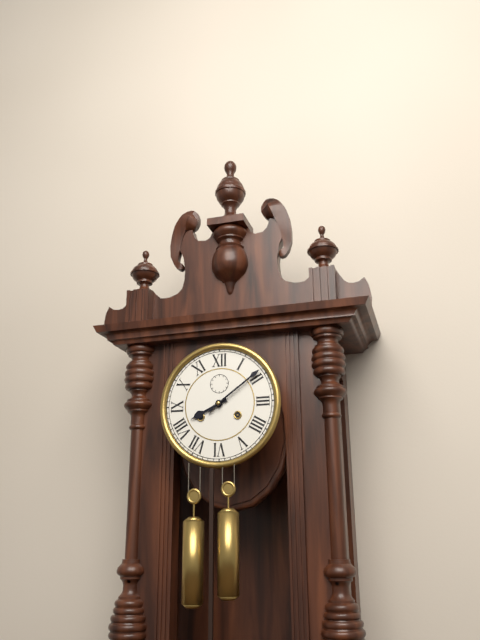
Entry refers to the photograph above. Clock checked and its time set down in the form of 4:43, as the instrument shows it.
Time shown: 8:09
